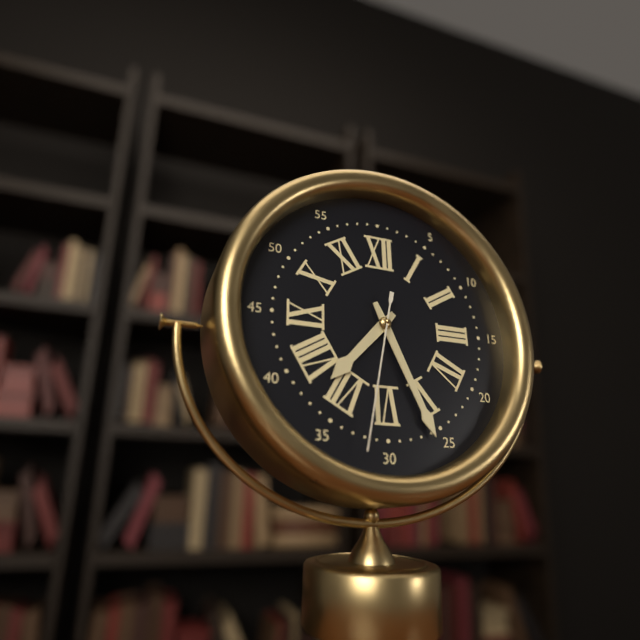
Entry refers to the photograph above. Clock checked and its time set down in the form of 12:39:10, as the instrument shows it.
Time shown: 7:26:32
